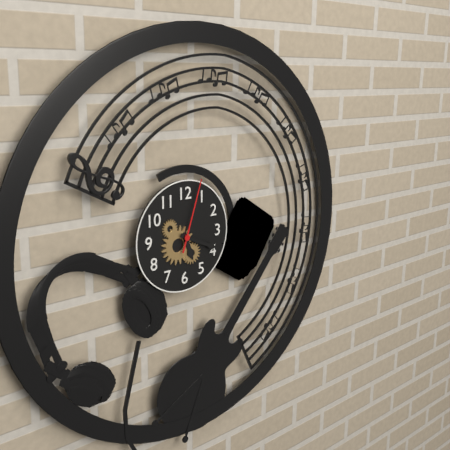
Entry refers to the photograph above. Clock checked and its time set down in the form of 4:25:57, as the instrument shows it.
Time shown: 5:19:03
